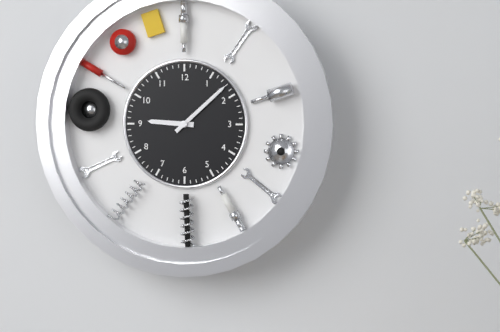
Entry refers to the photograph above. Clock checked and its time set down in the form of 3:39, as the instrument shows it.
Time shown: 9:08
